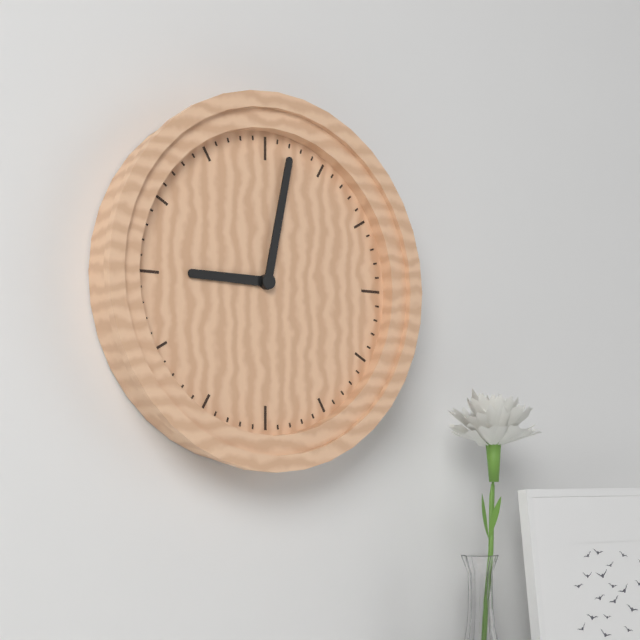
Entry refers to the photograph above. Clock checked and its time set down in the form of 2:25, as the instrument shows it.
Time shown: 9:02
